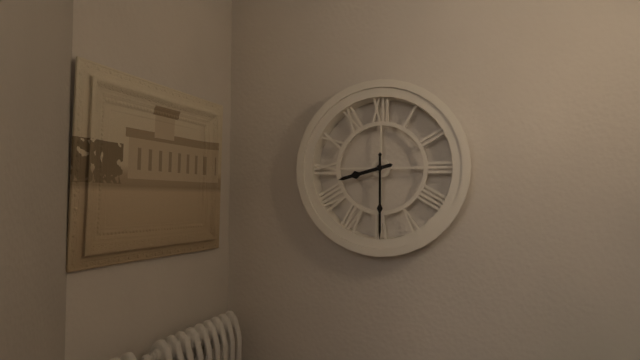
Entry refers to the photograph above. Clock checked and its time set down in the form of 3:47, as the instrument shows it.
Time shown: 8:30
